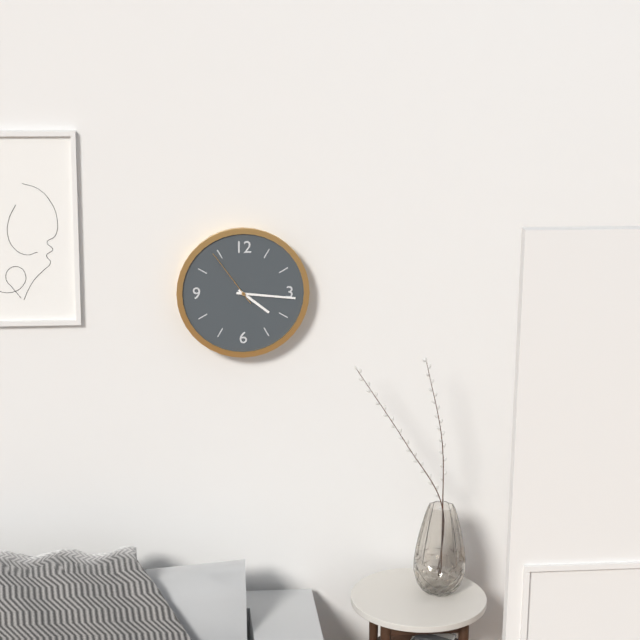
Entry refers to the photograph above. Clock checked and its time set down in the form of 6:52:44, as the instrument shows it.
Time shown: 4:16:54
